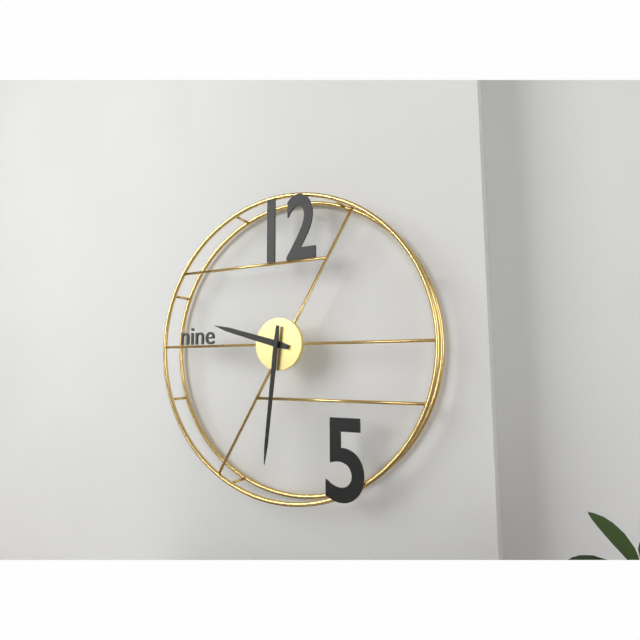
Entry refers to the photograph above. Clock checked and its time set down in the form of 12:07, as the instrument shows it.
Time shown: 9:31
